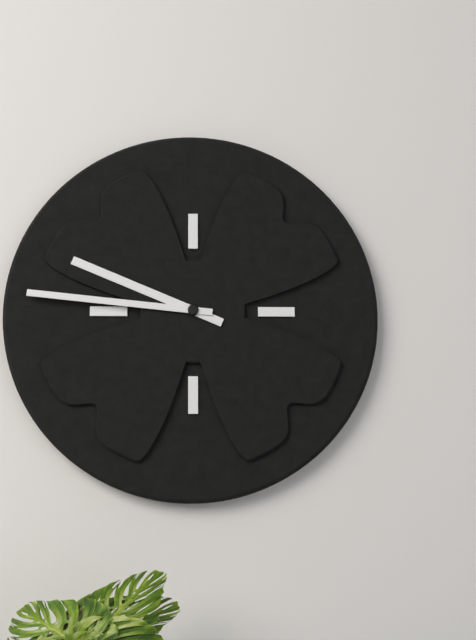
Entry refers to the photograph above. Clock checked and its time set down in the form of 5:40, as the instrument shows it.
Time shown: 9:46
